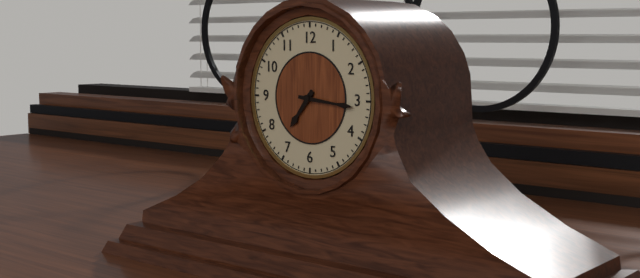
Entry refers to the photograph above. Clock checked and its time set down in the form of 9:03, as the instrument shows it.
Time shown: 7:16
